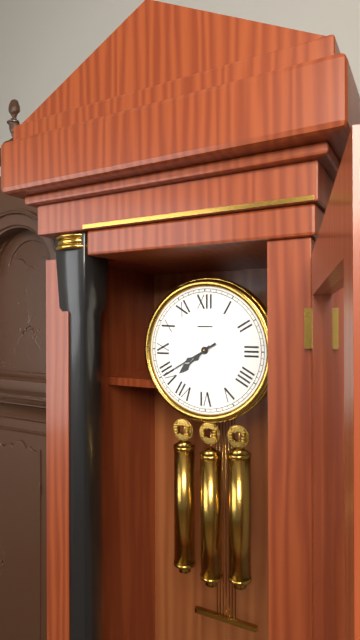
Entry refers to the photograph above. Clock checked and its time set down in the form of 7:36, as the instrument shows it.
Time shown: 7:40
